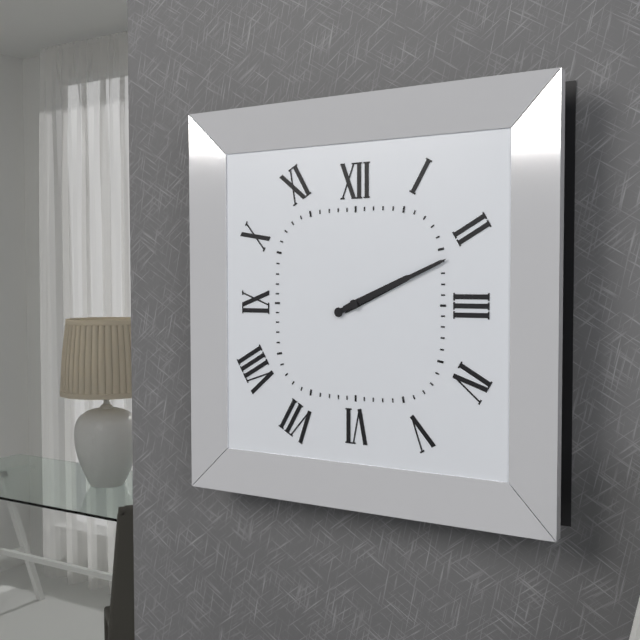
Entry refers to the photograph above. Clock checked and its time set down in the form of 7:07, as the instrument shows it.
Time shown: 2:11
